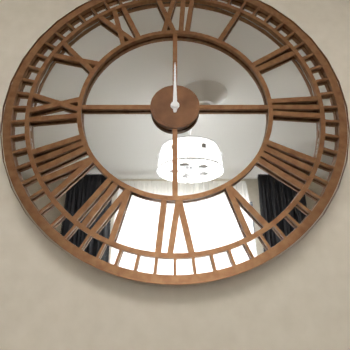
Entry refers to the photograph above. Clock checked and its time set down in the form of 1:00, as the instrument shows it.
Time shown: 12:00
